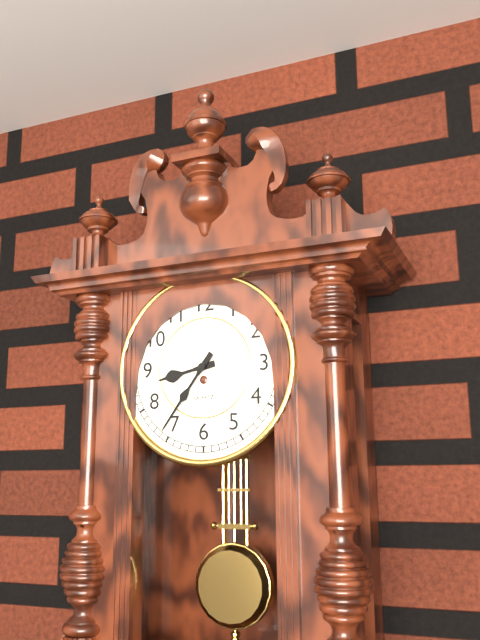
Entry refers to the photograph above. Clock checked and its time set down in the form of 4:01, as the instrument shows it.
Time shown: 8:36
